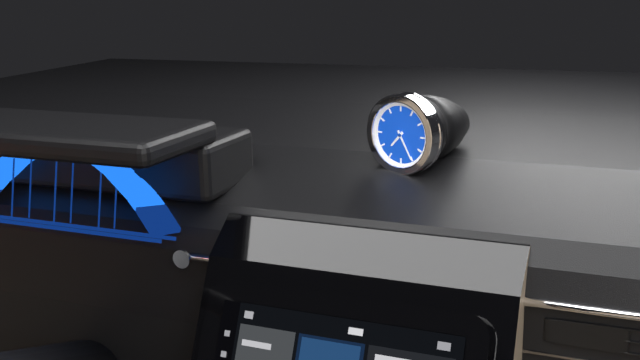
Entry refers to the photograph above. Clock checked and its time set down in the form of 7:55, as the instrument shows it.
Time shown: 7:25
